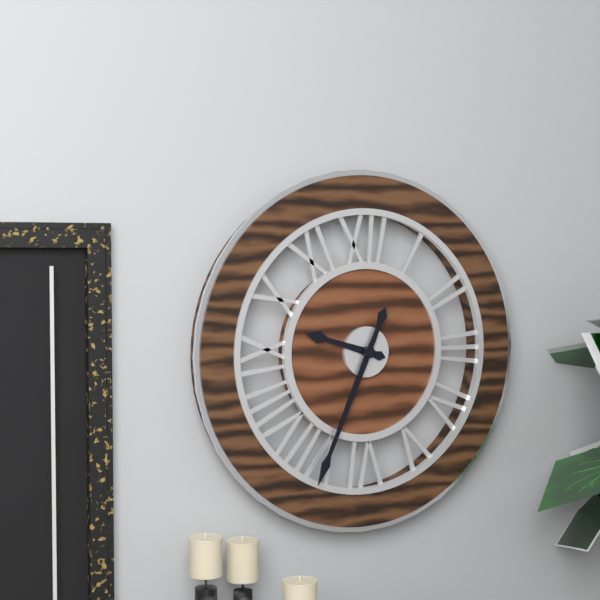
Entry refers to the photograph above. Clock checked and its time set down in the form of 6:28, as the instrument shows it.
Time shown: 9:34
